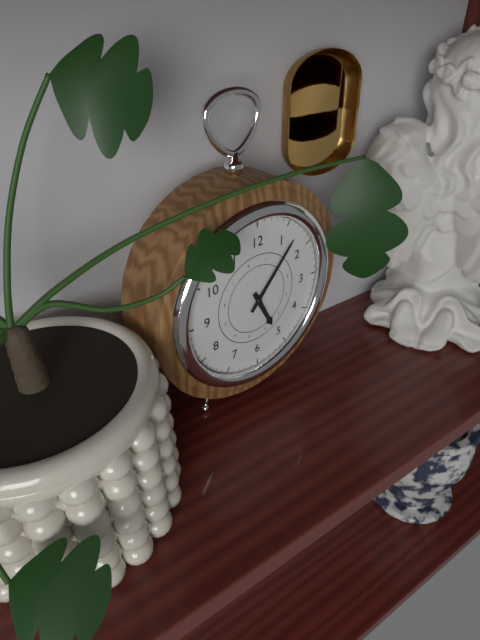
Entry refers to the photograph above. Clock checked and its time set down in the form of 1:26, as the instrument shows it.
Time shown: 5:07
